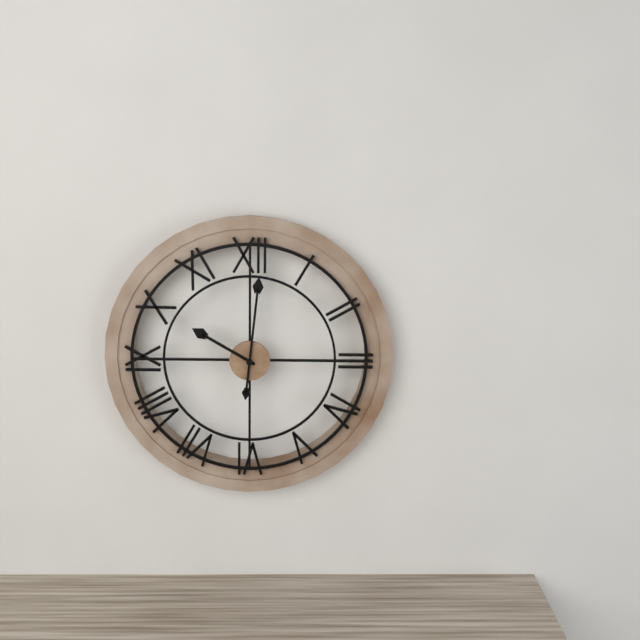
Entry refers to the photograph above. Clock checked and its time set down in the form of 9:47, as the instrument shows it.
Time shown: 10:01
